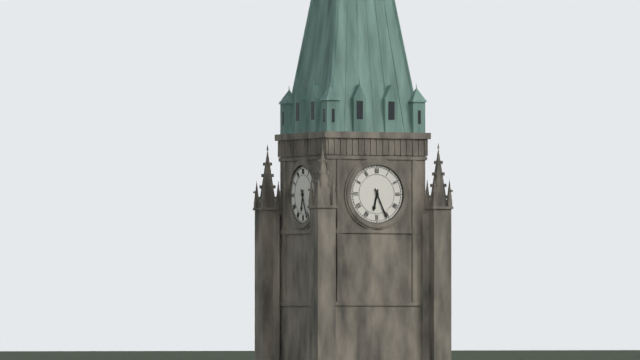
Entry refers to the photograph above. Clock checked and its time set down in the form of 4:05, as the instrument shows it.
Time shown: 6:26
